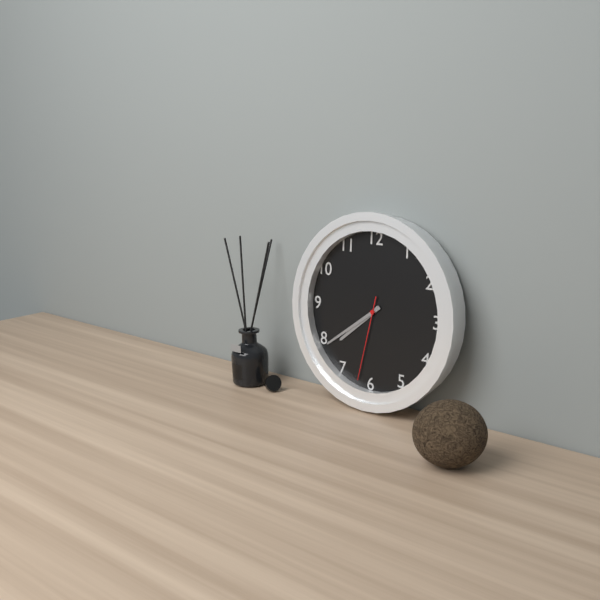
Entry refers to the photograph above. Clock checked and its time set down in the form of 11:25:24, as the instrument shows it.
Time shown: 7:39:32
